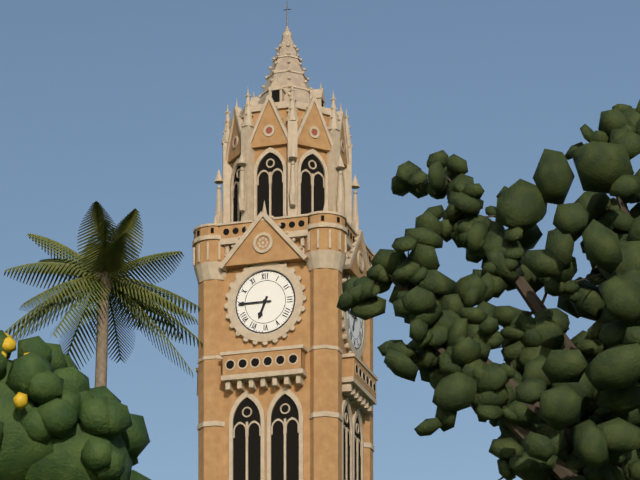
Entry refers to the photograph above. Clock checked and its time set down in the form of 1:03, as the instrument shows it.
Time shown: 6:45
